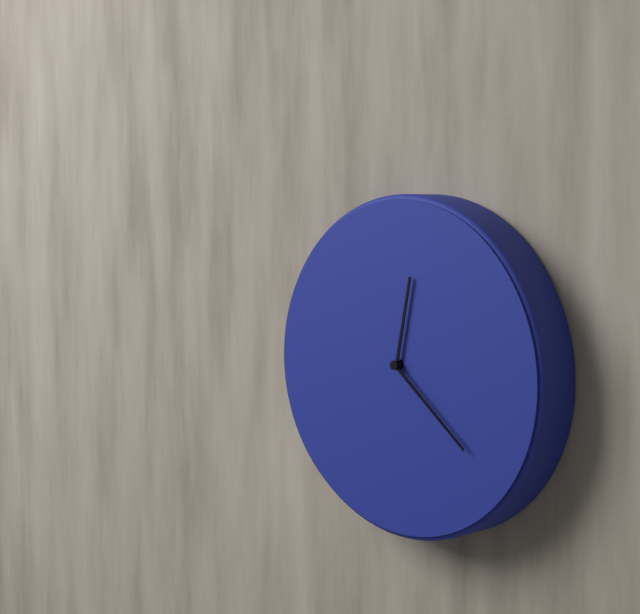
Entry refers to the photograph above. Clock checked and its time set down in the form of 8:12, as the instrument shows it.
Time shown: 12:22
